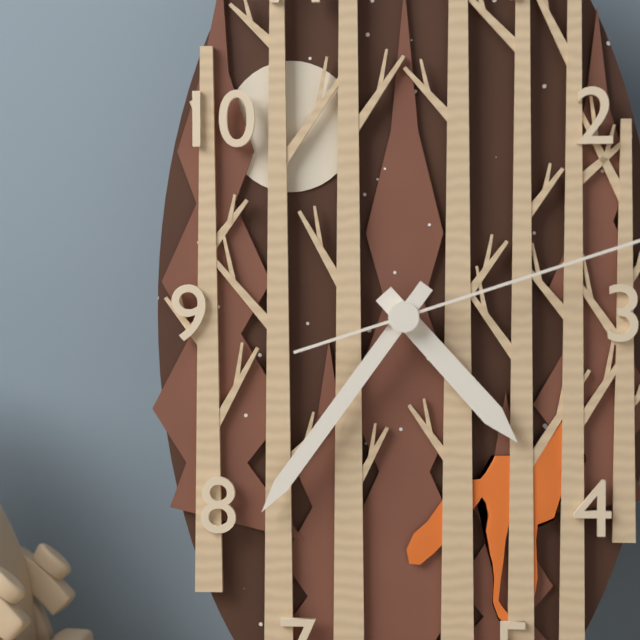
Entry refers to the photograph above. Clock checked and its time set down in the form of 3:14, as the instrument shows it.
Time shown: 4:36
